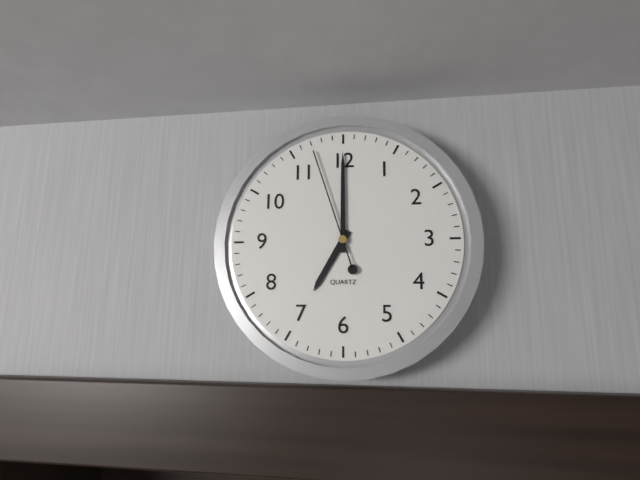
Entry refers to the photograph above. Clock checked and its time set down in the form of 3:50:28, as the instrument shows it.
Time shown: 7:00:57
